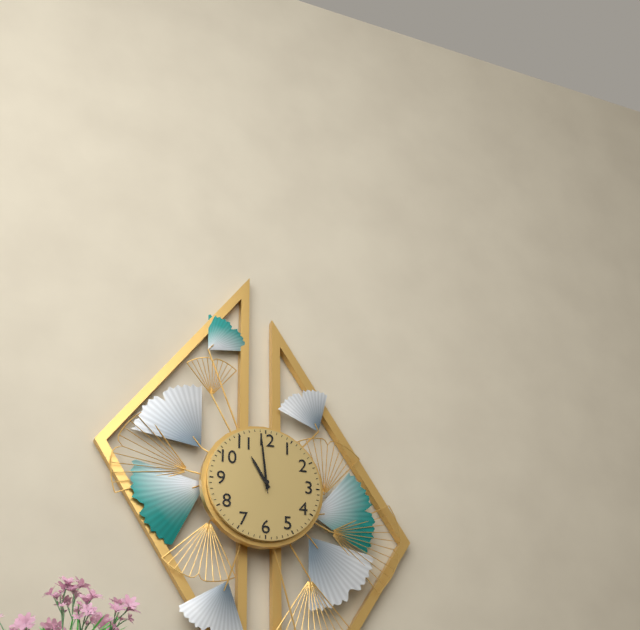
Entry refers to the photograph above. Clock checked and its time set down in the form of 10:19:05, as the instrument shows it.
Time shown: 10:59:59
